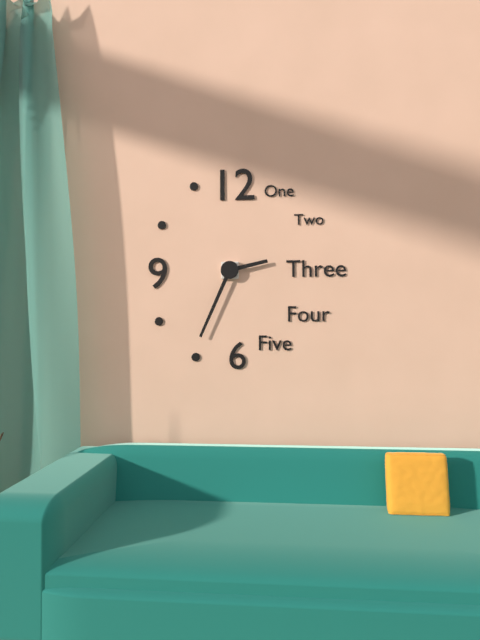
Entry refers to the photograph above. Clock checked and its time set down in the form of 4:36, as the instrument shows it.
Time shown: 2:34
